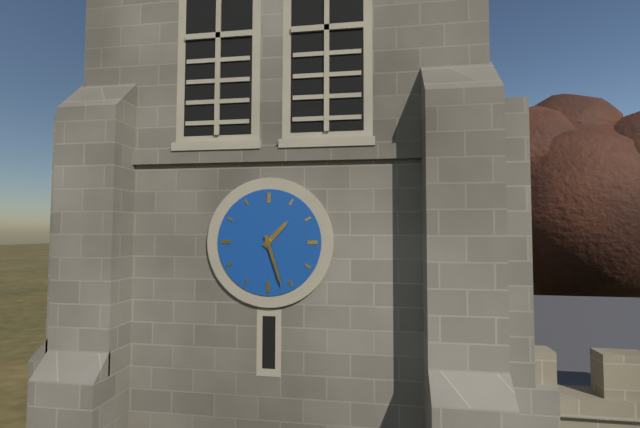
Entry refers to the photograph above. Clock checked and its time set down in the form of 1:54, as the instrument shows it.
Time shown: 1:27
